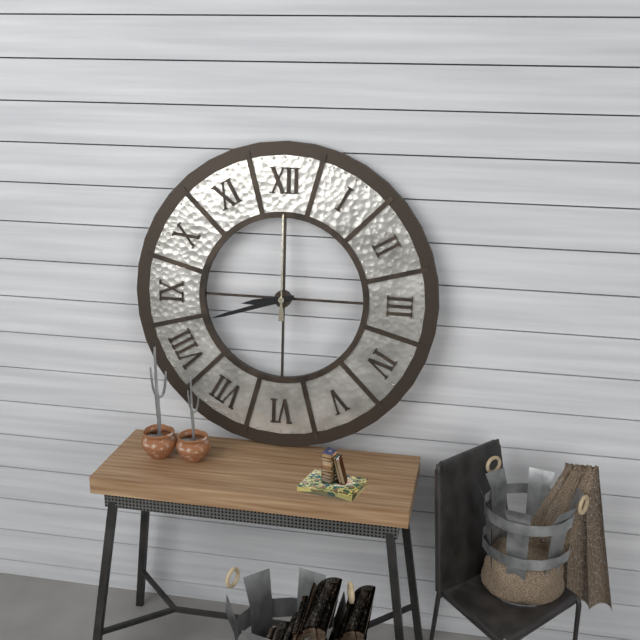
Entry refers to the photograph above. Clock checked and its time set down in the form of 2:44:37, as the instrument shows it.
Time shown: 8:42:00
